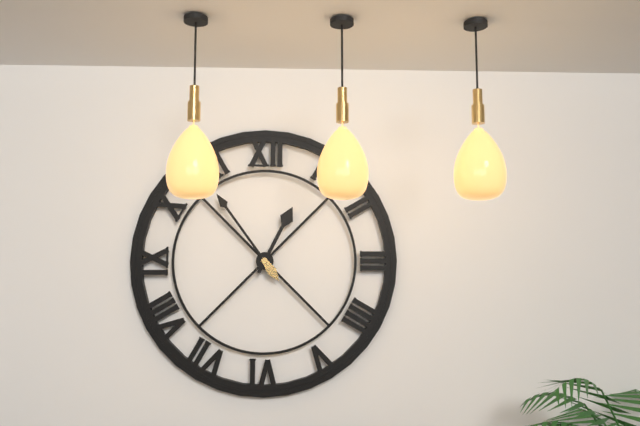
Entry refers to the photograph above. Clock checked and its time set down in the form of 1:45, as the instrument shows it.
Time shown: 12:54
